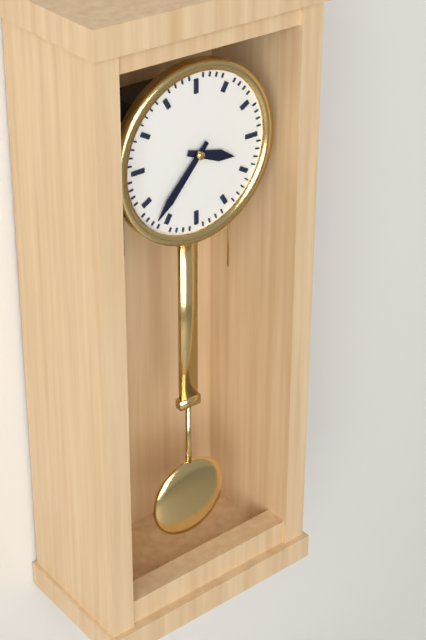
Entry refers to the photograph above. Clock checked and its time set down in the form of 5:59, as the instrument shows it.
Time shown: 3:37
